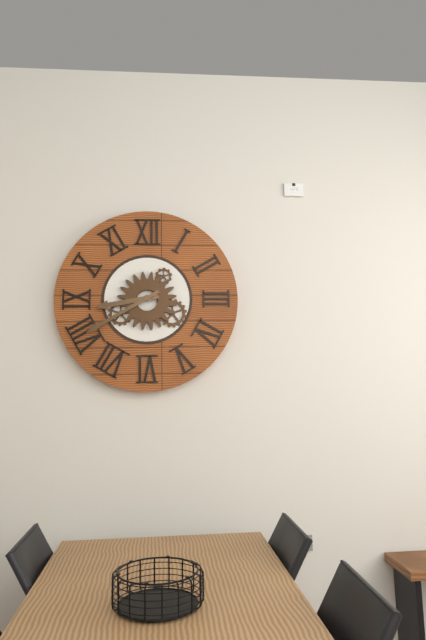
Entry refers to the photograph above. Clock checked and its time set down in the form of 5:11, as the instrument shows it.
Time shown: 8:40
